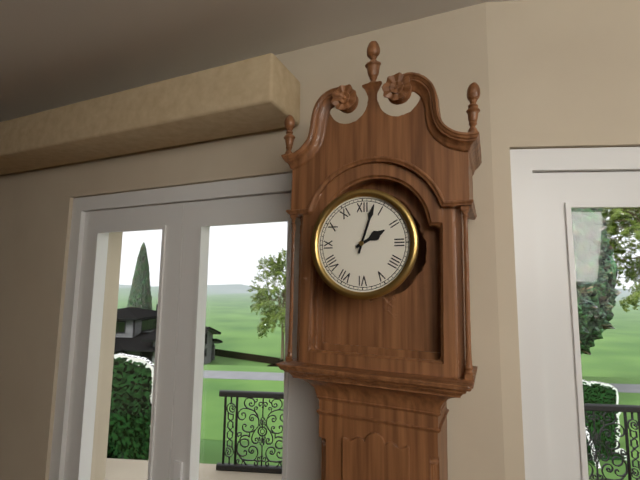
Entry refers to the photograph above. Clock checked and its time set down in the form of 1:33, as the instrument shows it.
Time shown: 2:03
